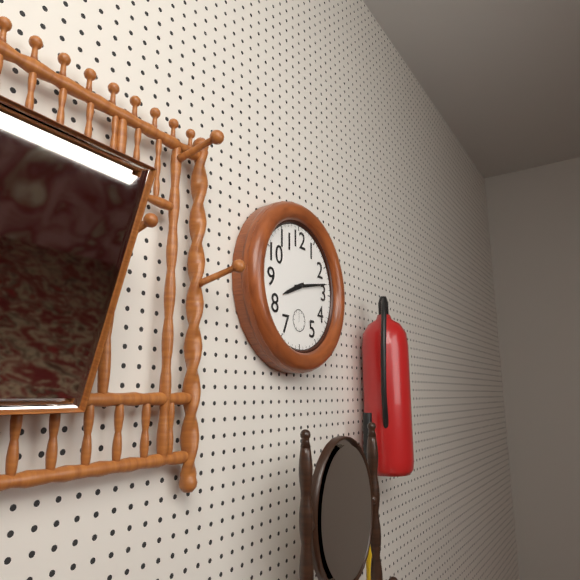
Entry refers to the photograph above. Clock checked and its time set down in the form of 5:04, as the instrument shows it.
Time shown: 8:13
